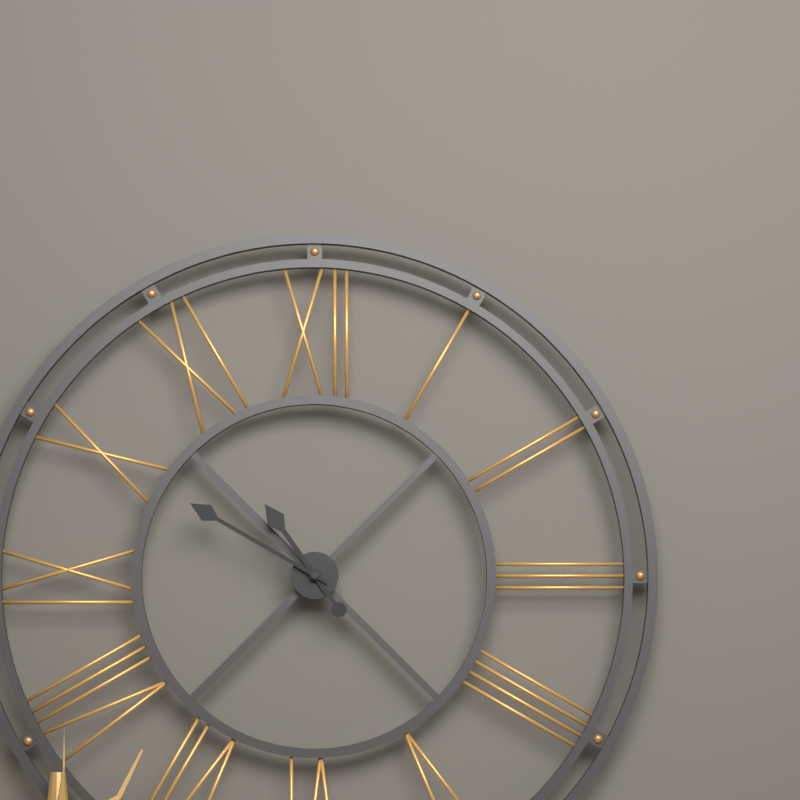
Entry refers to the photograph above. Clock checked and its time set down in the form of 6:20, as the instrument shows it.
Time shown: 10:50
